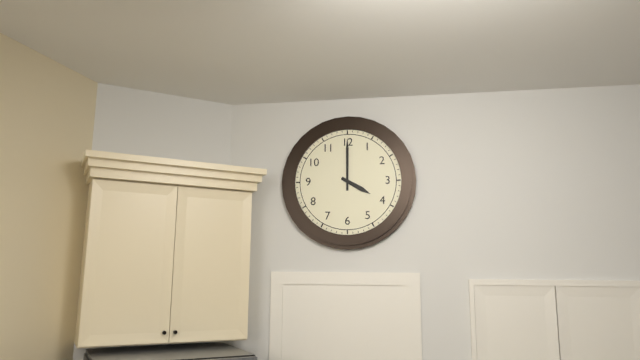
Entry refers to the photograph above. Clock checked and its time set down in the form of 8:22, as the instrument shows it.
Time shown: 4:00
